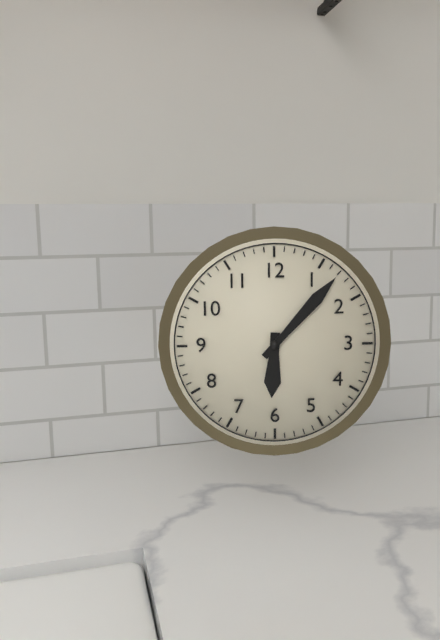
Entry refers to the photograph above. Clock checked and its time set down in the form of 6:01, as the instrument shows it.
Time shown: 6:07
